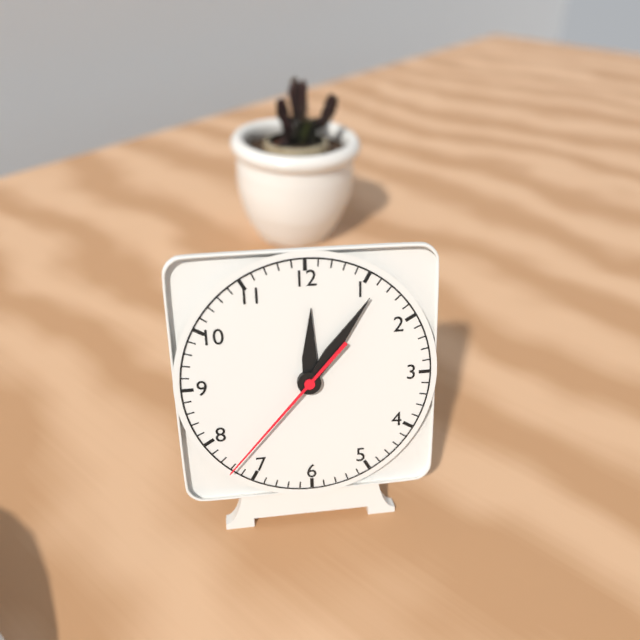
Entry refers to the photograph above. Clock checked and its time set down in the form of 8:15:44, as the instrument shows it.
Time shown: 12:06:37
